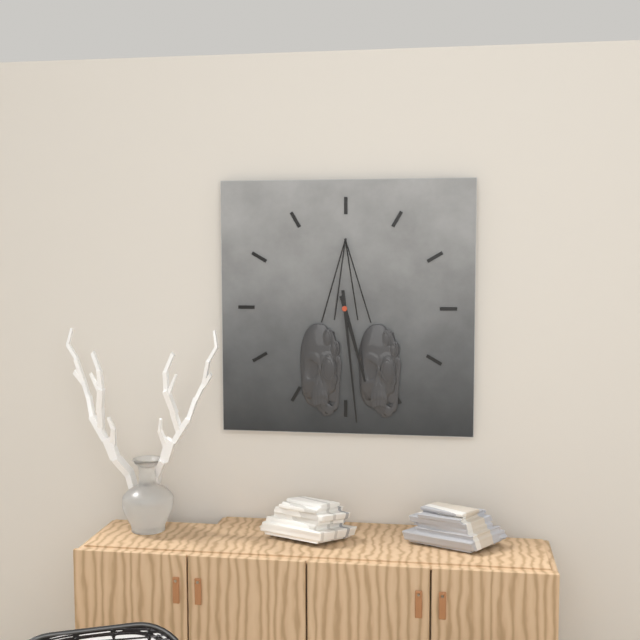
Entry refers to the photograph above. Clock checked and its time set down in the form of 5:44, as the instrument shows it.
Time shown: 5:29
